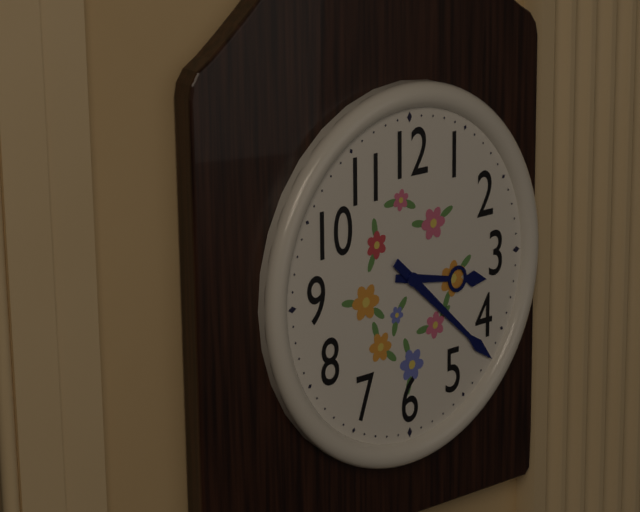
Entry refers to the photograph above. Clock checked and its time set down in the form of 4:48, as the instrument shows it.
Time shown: 3:22
